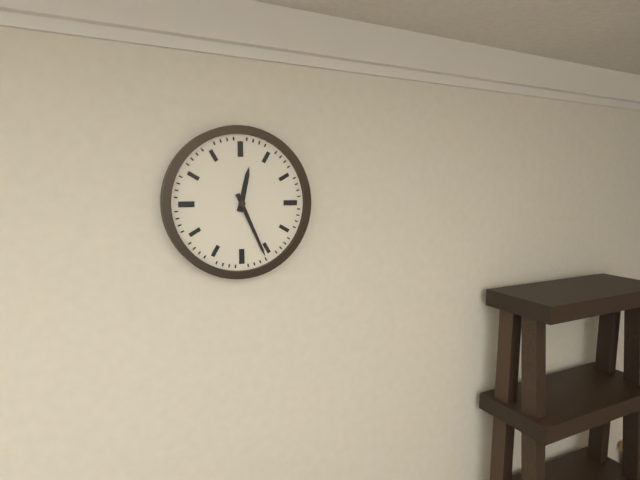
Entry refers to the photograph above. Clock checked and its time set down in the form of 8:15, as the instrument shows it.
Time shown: 12:26
